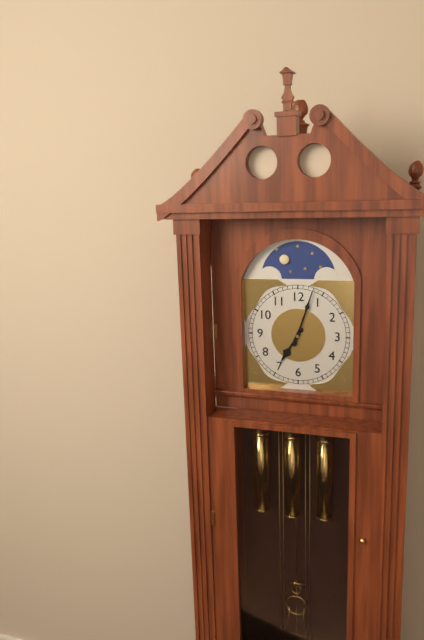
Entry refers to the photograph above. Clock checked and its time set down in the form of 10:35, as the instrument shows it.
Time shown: 7:03
